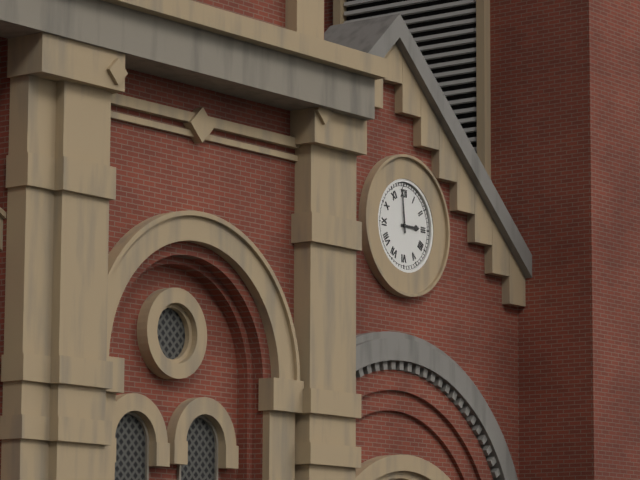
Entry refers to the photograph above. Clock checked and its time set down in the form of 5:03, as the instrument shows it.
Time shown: 2:59
